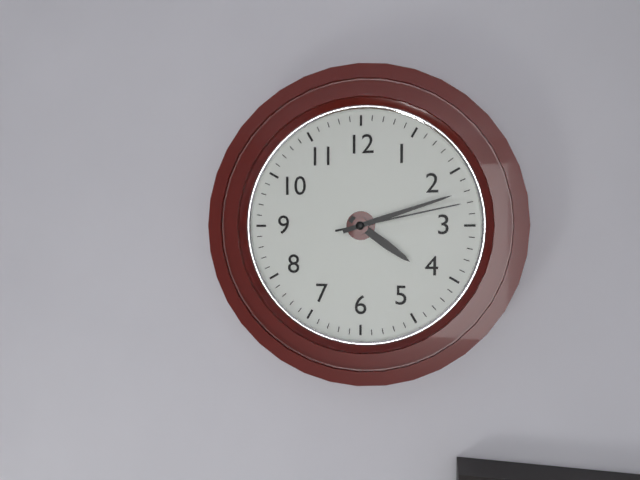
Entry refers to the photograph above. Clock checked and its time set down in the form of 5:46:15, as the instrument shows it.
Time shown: 4:12:13
